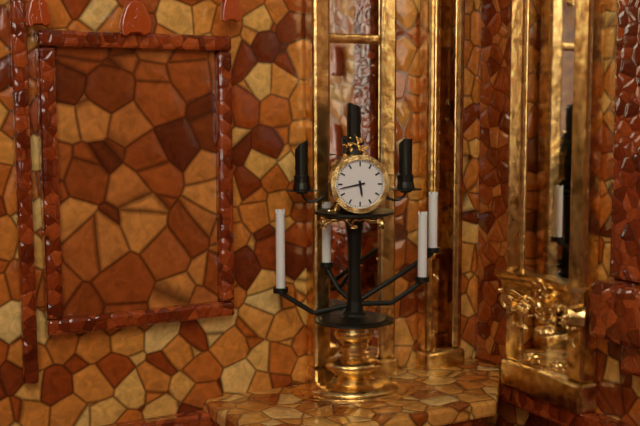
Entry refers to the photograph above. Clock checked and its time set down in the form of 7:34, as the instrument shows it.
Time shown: 5:43
